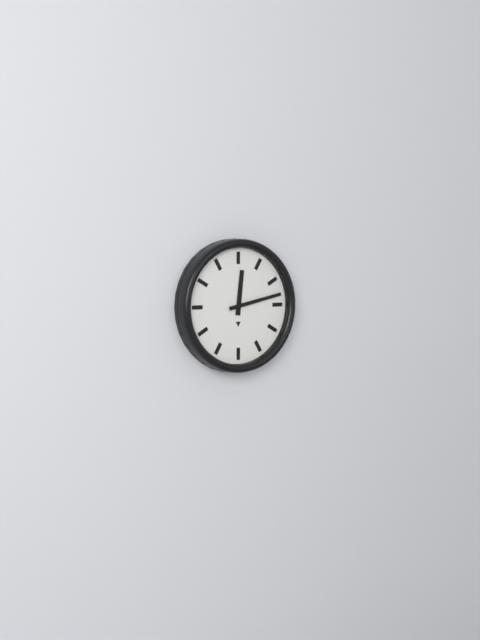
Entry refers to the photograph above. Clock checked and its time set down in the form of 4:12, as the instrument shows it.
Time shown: 12:13
